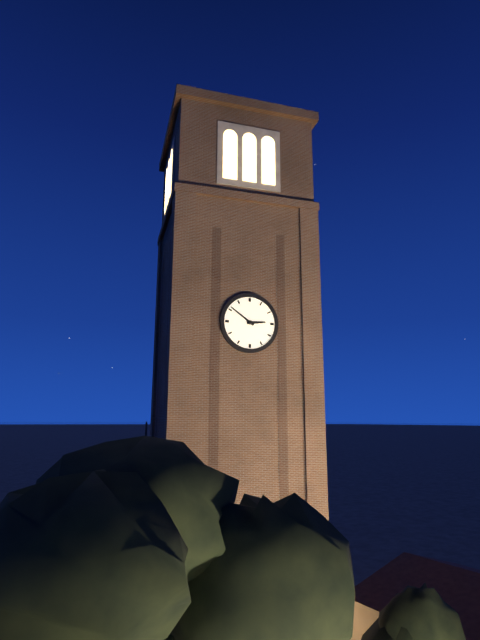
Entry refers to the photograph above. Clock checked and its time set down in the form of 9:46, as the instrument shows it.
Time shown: 2:51
